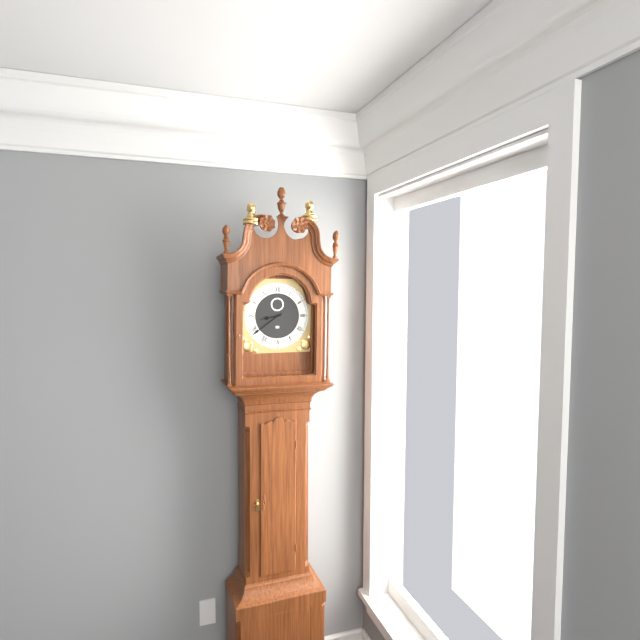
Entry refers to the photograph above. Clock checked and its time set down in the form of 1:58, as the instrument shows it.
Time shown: 8:39
